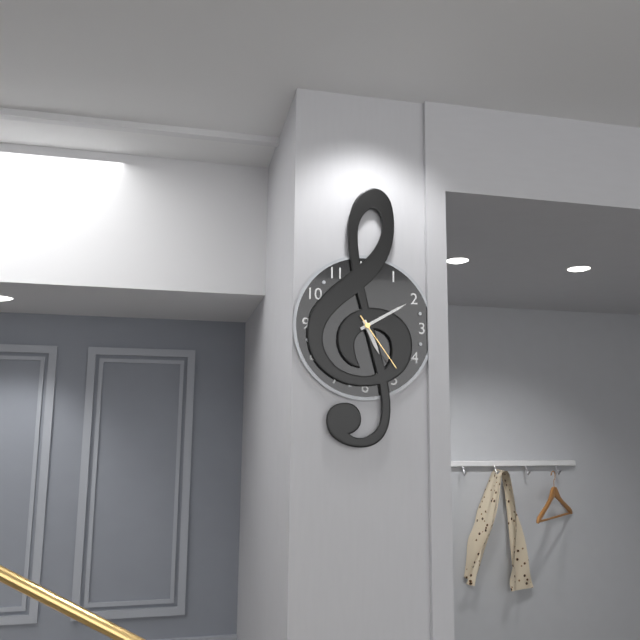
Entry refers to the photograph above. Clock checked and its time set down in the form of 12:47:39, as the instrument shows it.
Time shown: 5:10:24
